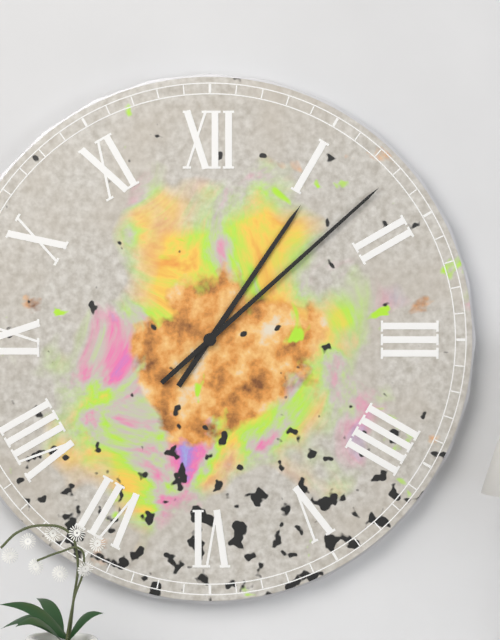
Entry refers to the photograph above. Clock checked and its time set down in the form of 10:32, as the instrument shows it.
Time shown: 1:08
